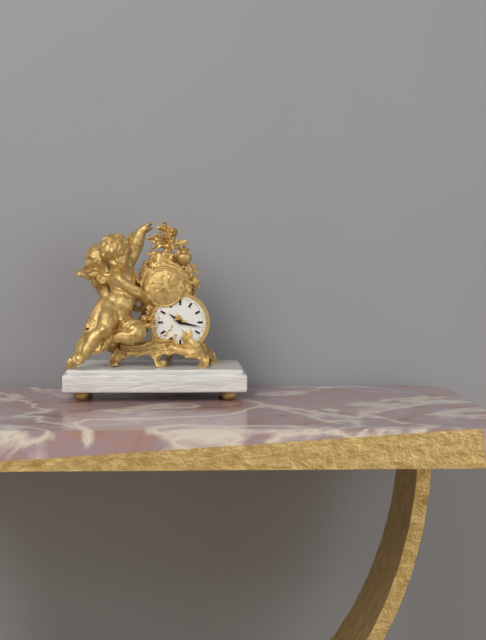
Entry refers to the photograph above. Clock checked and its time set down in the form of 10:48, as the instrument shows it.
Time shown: 10:17
